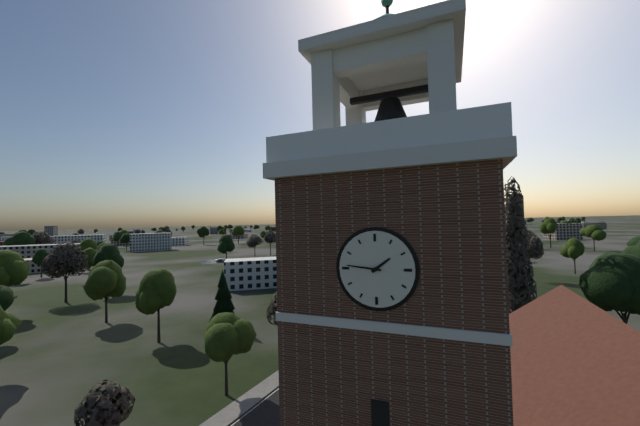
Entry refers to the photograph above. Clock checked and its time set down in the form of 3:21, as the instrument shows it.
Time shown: 1:46
